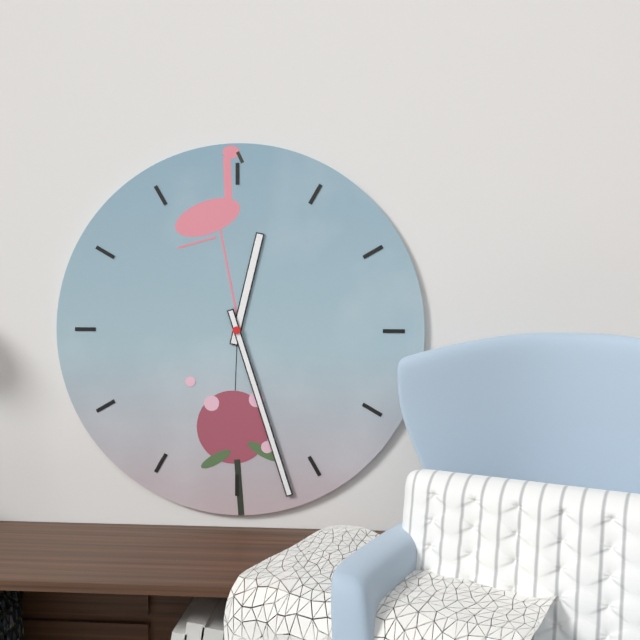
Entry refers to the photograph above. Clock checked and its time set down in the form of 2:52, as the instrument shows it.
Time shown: 12:27
